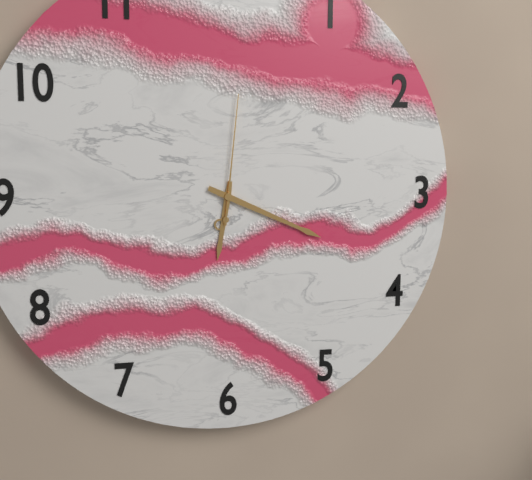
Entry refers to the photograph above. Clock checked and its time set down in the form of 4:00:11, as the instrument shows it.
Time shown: 6:19:01
